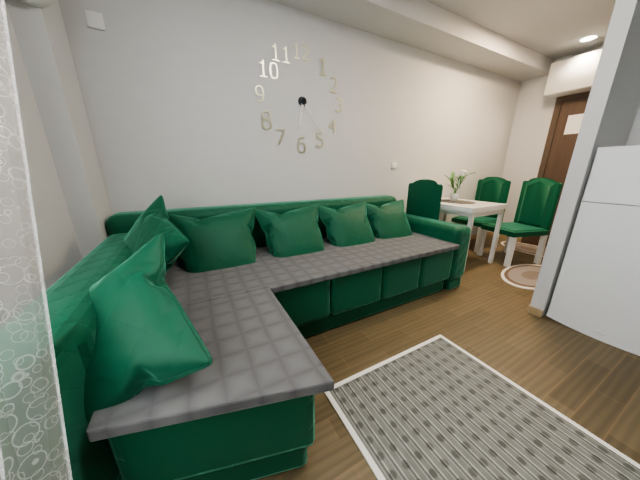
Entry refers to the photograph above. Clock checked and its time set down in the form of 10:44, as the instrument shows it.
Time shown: 6:24
